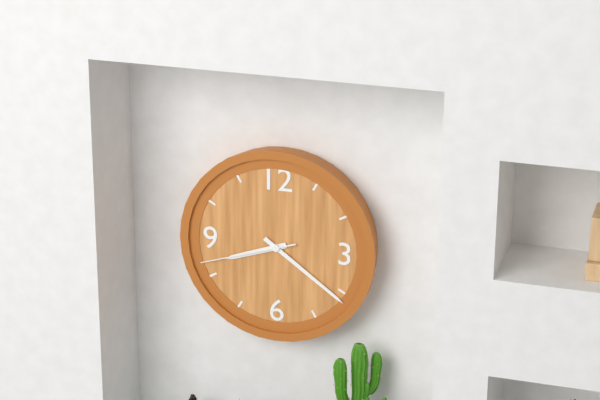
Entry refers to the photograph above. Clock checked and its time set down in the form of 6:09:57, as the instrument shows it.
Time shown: 8:21:42
